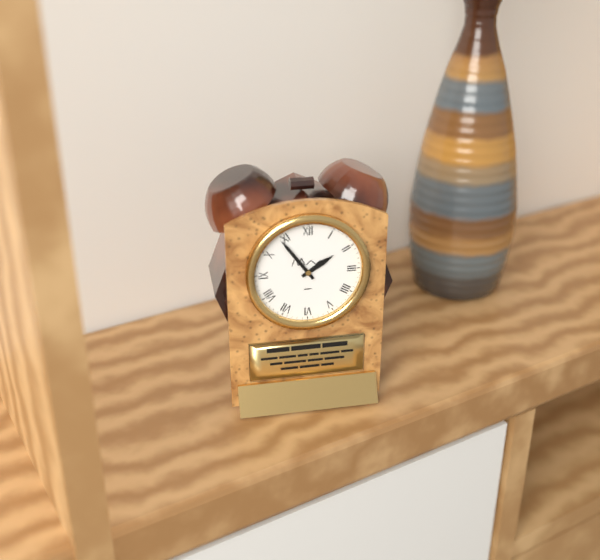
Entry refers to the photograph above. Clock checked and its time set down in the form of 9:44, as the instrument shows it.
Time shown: 1:54
